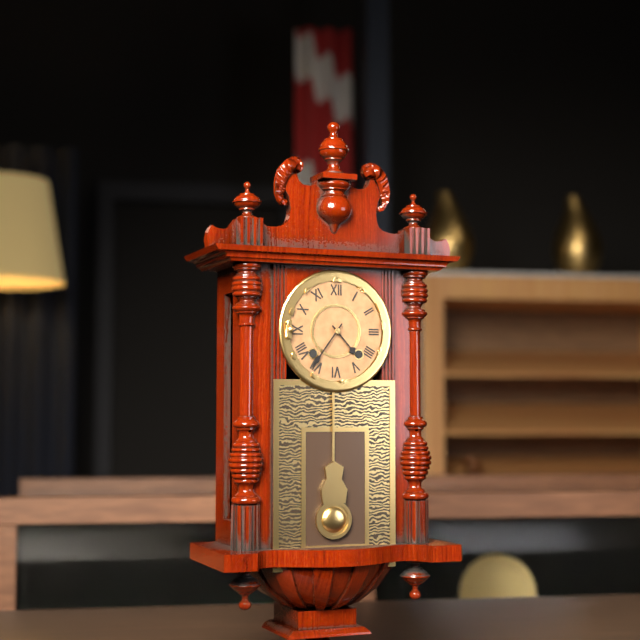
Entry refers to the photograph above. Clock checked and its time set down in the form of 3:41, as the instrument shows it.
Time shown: 4:36
